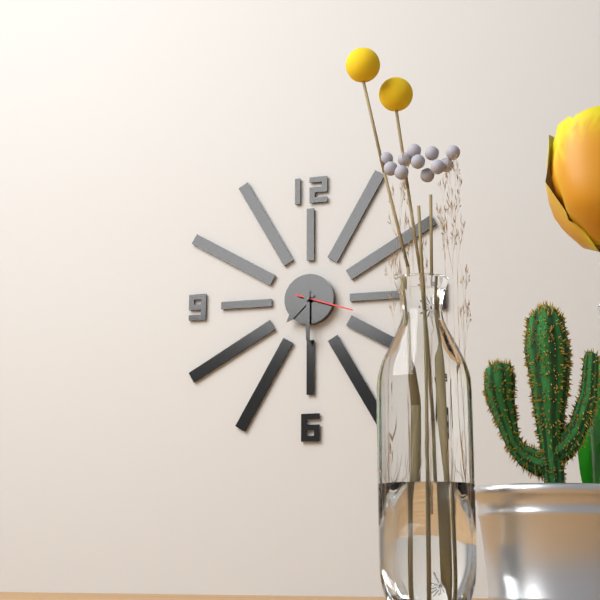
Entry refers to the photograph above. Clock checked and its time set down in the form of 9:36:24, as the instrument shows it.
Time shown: 7:30:18
